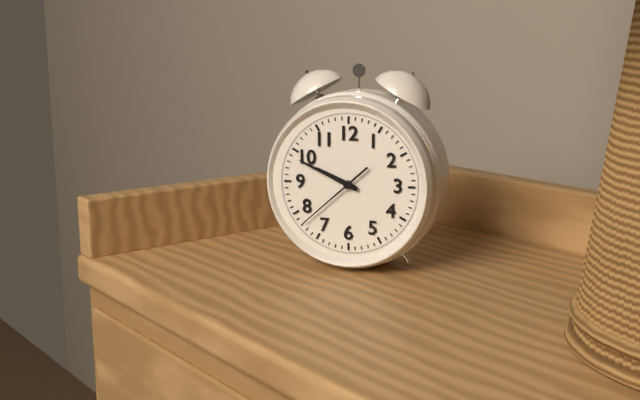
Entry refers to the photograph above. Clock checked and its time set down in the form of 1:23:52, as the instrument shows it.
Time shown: 9:49:38
